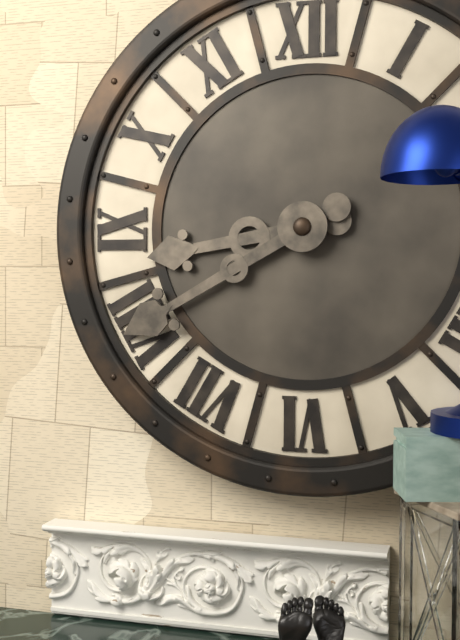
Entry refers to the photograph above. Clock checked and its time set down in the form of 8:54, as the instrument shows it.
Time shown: 8:40
